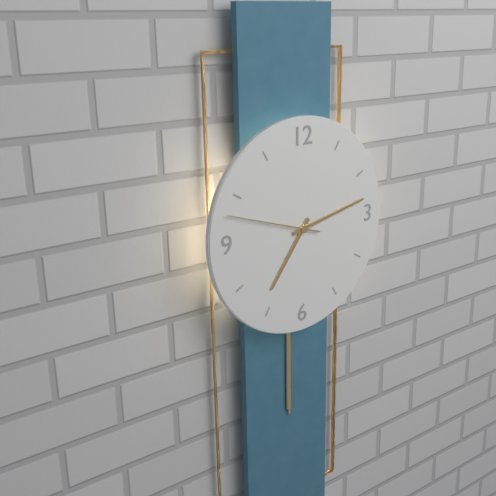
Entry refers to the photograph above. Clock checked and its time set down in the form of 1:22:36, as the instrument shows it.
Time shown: 7:13:48
